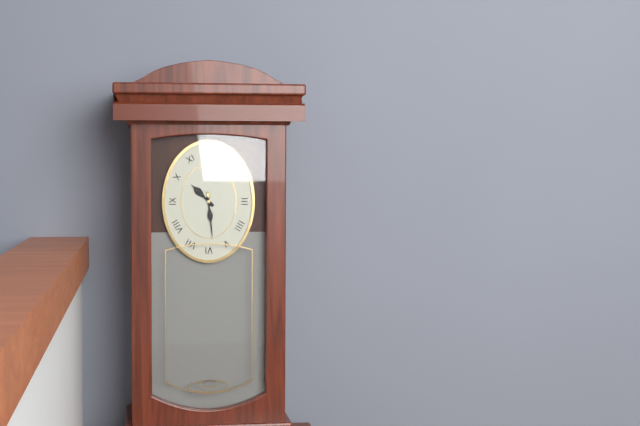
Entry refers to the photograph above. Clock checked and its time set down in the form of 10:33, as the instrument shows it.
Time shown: 10:29
